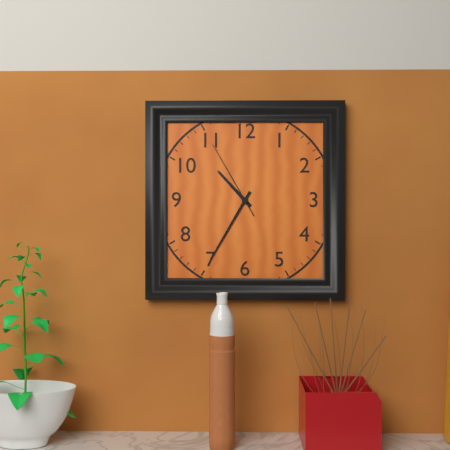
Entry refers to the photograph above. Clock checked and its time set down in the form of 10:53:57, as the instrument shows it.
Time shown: 10:35:55
